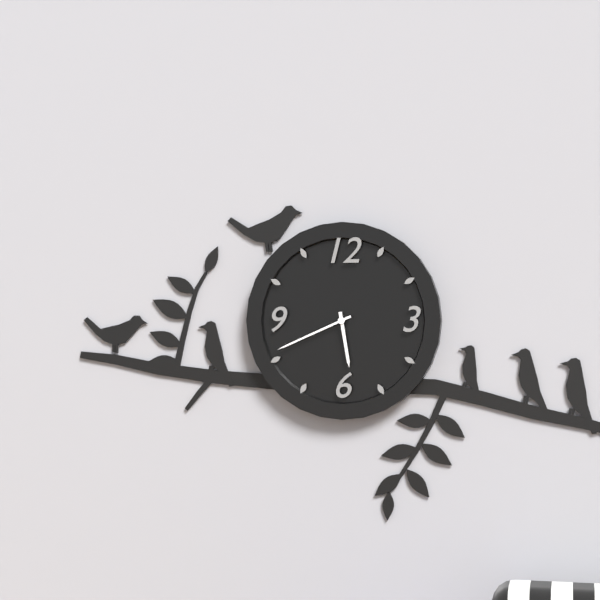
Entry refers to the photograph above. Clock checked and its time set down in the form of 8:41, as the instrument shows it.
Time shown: 5:41
